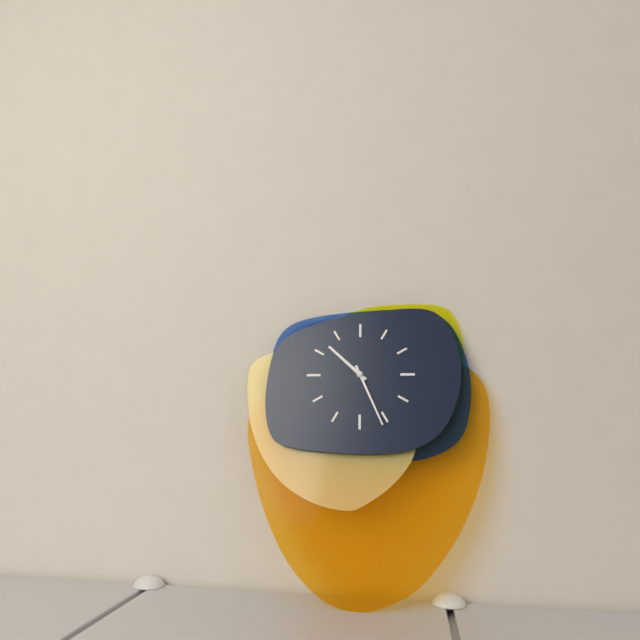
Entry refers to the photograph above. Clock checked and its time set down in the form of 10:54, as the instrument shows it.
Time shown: 10:26
